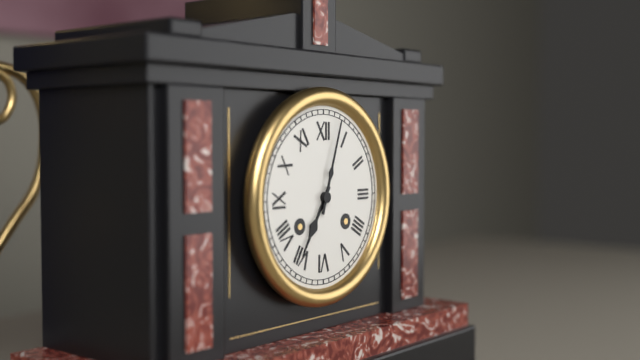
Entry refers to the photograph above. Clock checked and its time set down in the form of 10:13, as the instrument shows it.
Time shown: 7:03
